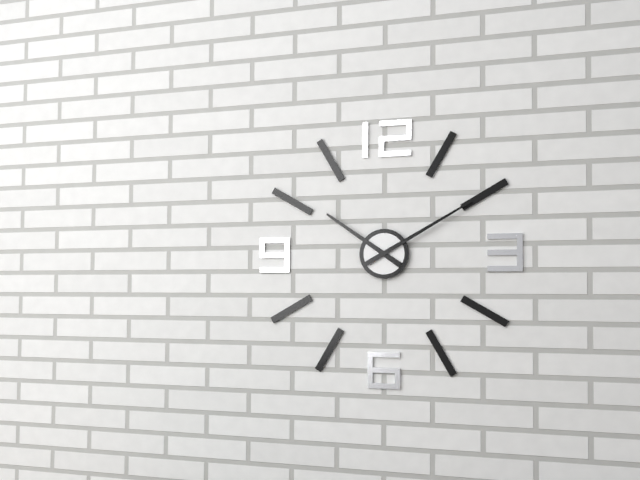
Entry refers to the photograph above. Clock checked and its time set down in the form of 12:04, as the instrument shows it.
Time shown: 10:10
